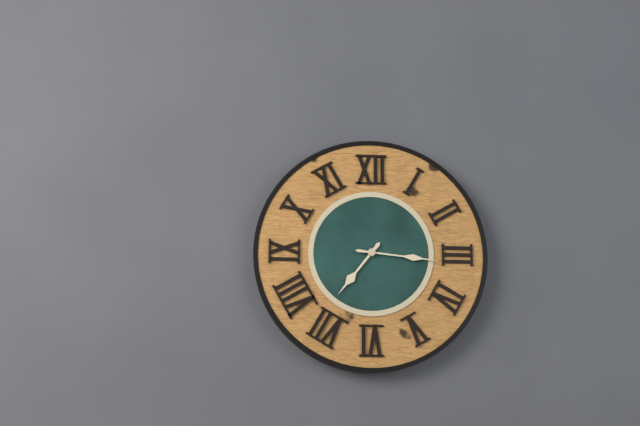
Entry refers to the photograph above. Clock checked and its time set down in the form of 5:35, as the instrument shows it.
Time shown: 7:16
